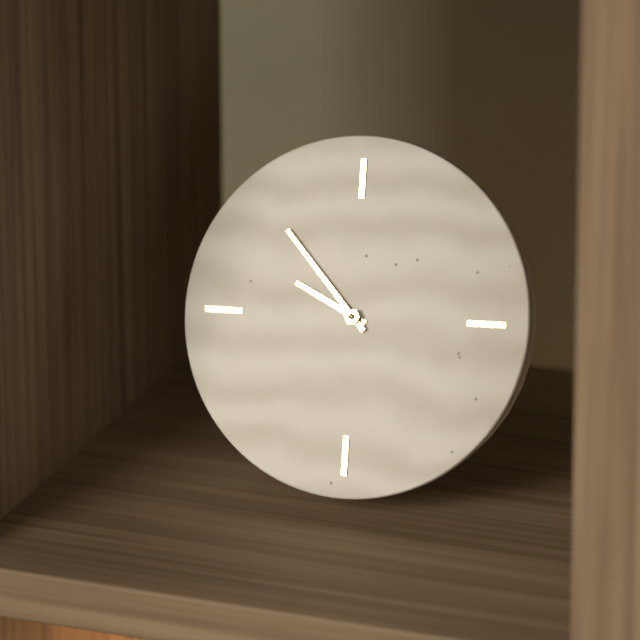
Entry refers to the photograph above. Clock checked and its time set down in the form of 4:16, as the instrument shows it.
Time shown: 9:53
